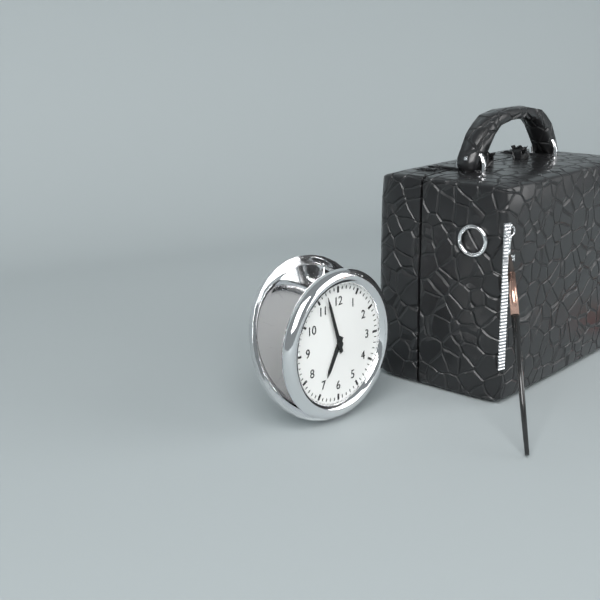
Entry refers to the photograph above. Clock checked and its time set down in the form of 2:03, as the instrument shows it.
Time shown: 6:57
